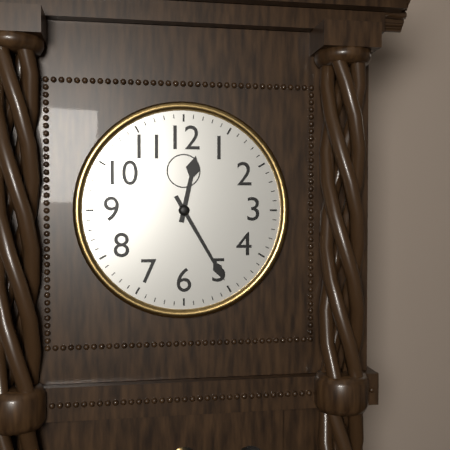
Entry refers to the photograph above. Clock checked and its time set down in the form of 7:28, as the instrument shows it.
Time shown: 12:25
